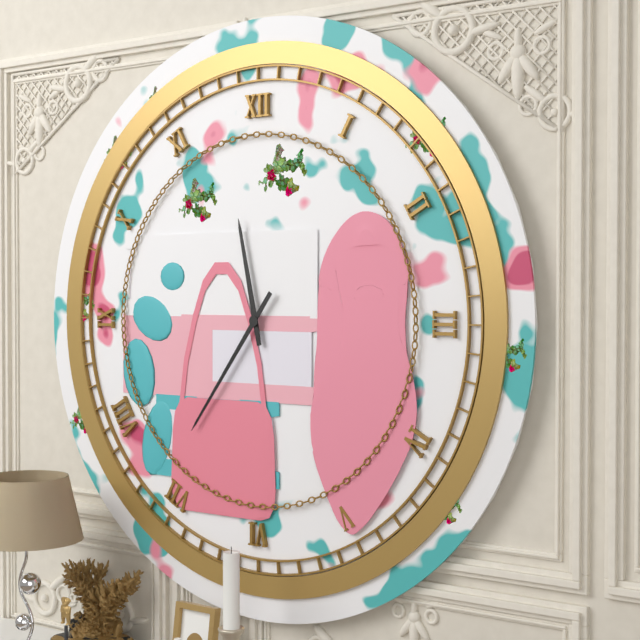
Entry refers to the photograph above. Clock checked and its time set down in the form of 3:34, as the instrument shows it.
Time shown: 11:36
